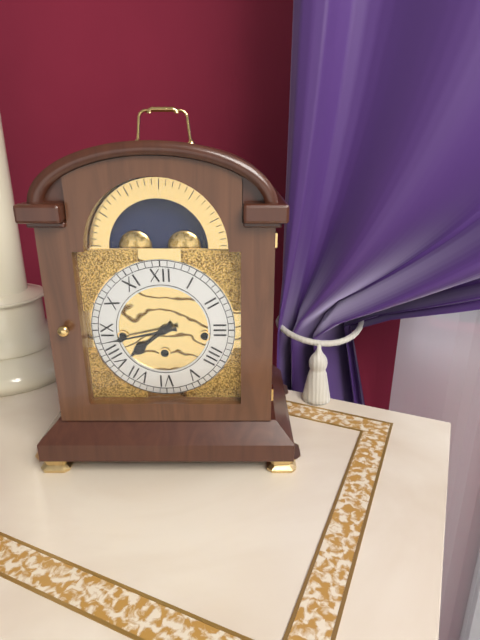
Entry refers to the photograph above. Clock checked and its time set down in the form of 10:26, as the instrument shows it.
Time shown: 7:43
